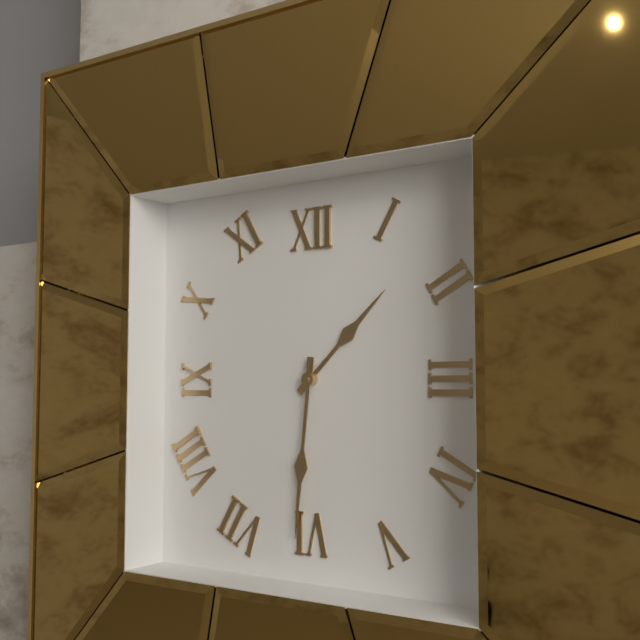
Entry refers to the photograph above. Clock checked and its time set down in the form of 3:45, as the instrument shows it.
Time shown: 1:31
